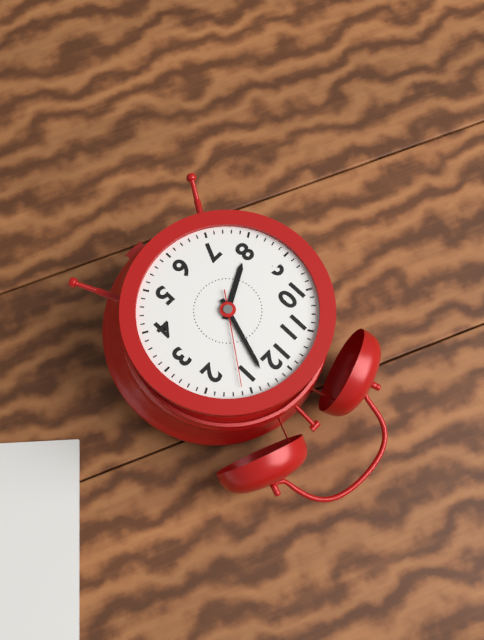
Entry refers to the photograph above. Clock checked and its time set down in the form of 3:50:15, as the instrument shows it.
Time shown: 8:03:06
